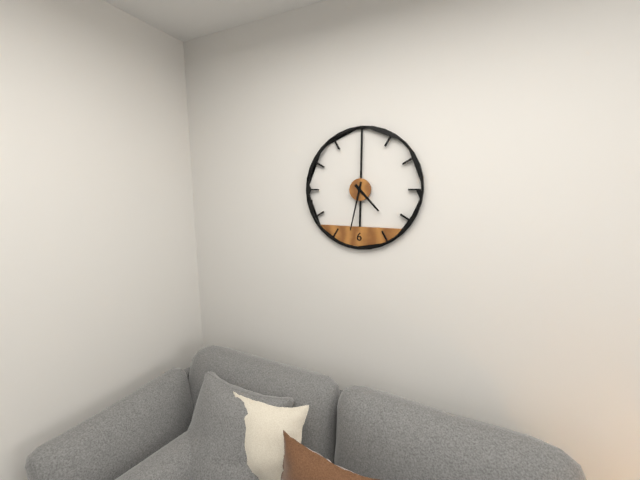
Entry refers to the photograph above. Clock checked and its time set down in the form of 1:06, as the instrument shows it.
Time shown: 4:32
